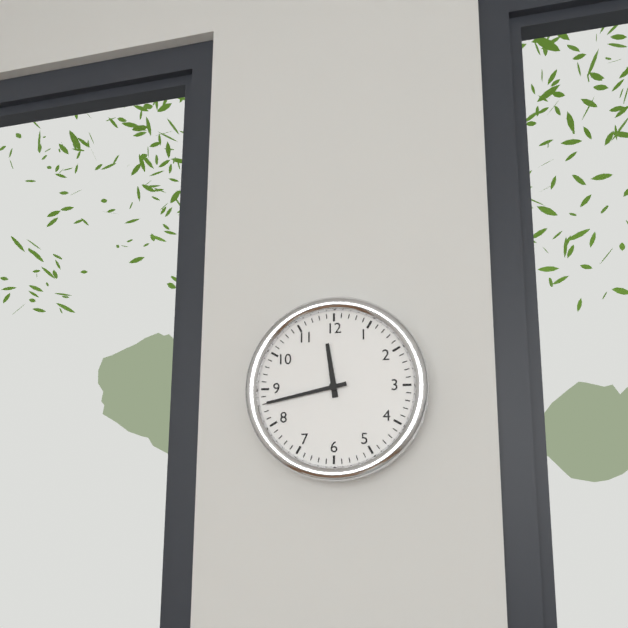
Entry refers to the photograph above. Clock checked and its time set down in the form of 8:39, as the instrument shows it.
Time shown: 11:43
